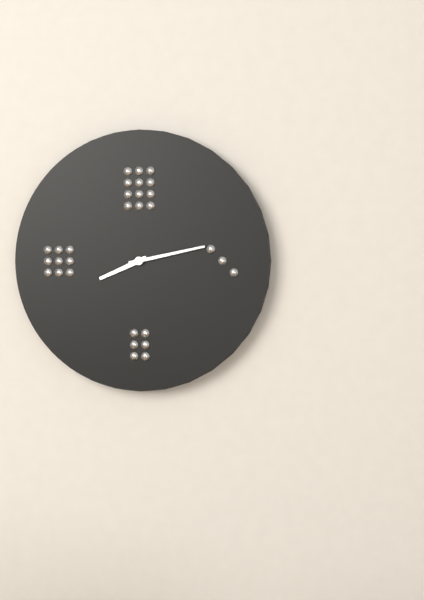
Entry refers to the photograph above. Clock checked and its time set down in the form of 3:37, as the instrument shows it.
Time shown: 8:13
